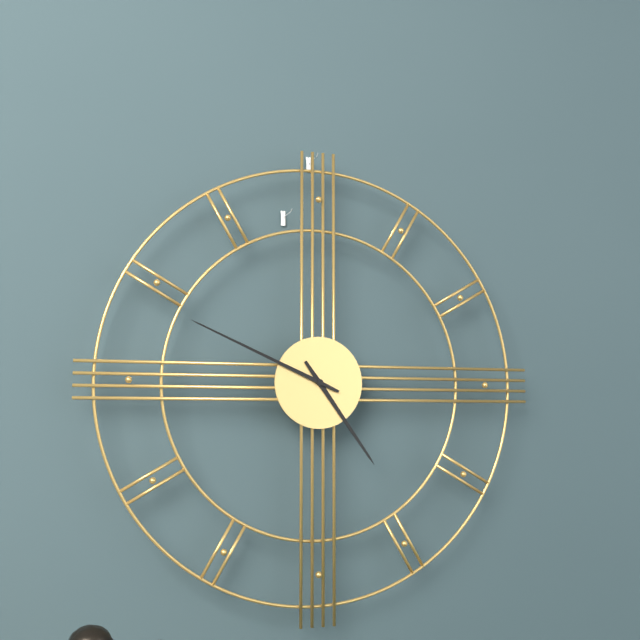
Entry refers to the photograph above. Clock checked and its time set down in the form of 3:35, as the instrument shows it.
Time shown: 4:49
